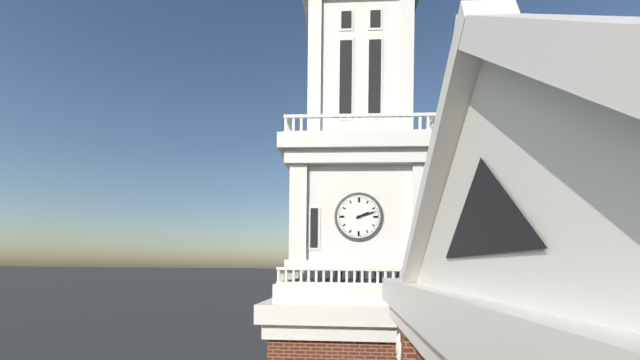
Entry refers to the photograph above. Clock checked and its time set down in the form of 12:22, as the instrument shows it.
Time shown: 2:12
